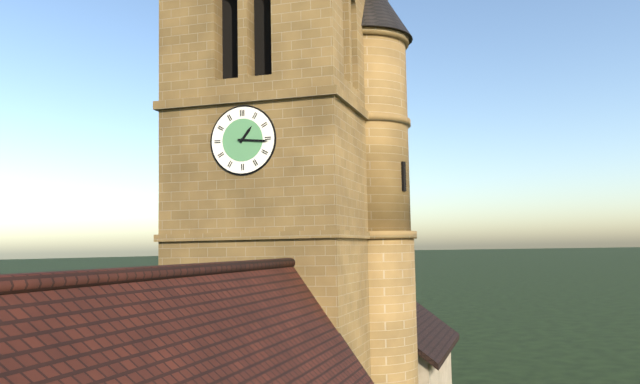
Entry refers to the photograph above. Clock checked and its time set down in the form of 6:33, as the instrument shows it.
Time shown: 1:16
